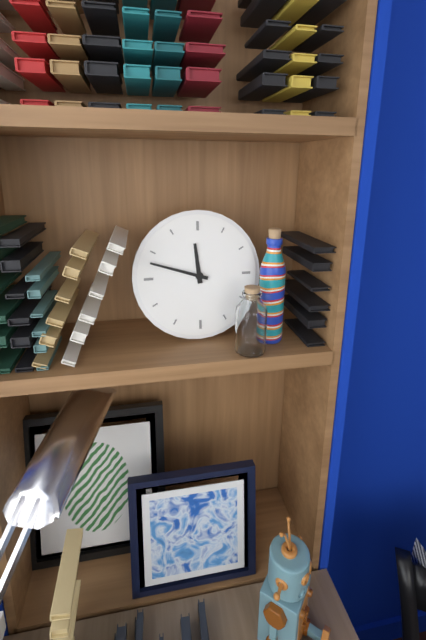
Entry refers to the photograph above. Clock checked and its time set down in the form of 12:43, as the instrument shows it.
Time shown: 11:48
